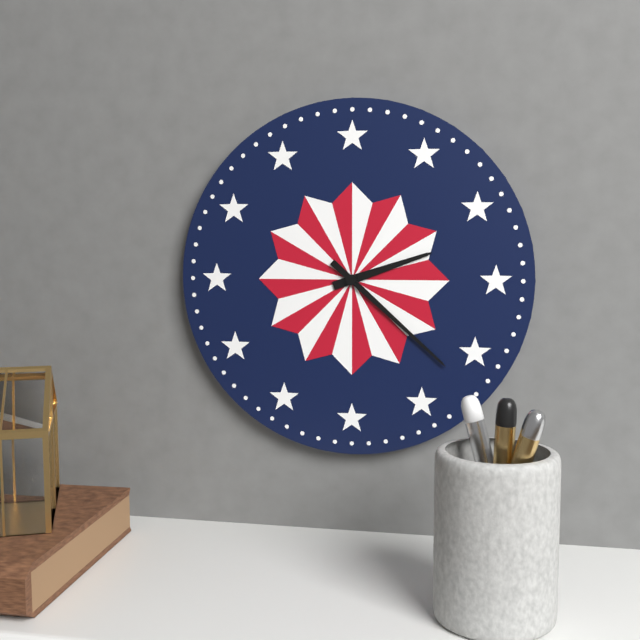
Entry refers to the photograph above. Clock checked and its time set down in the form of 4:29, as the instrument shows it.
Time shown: 2:22
